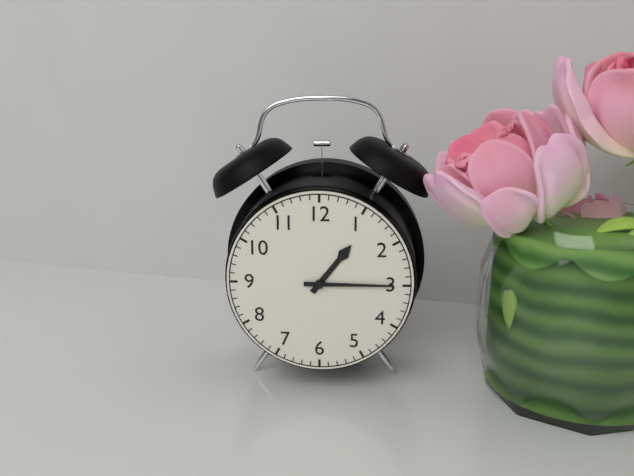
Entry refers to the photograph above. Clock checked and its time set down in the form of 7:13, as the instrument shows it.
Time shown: 1:15
